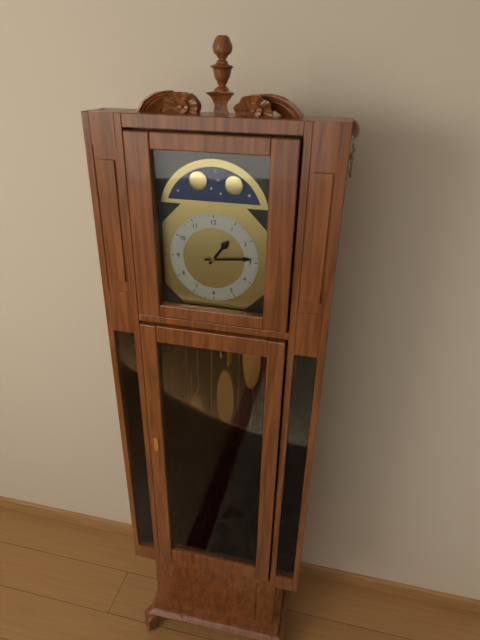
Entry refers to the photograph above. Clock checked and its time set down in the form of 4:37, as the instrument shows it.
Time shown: 1:14
